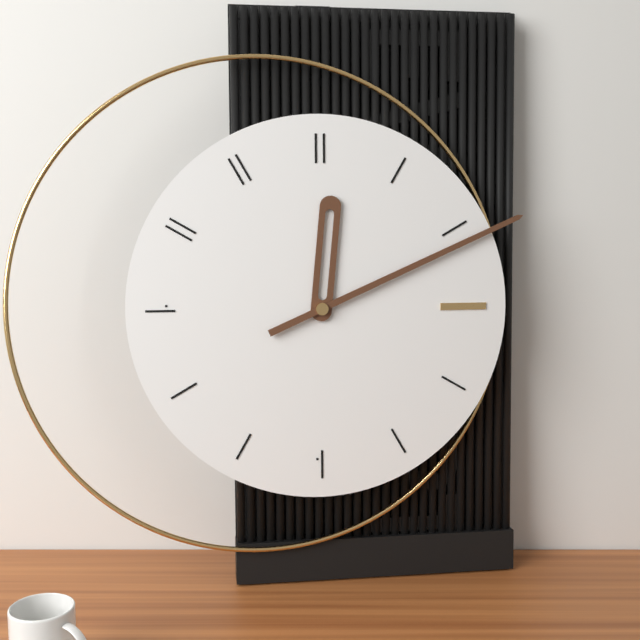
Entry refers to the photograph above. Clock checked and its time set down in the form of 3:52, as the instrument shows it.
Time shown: 12:11
